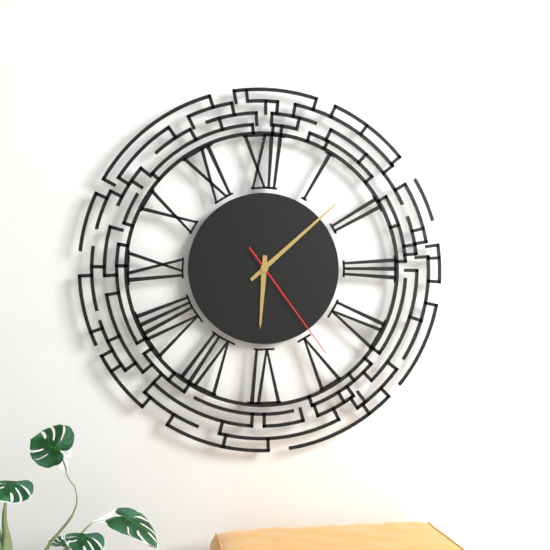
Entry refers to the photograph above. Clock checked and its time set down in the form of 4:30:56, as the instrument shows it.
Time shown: 6:08:24
